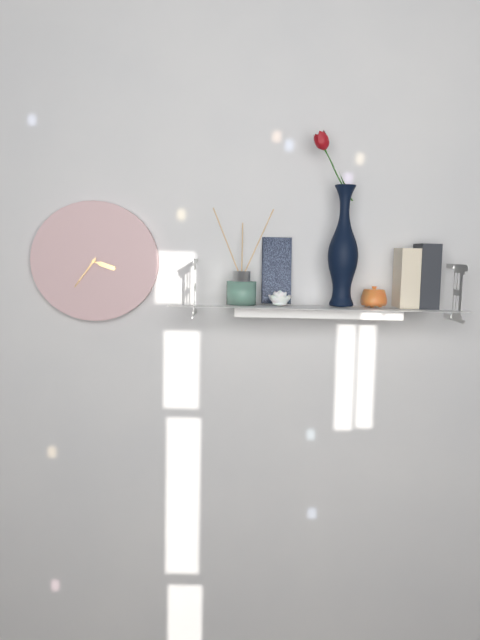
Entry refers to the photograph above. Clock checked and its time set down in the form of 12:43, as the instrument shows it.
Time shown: 3:36
